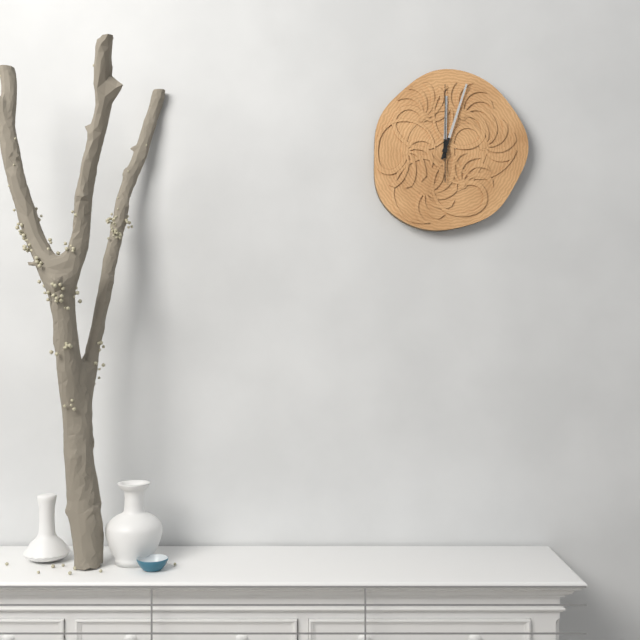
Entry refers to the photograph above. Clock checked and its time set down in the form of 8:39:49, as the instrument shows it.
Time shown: 12:03:00
